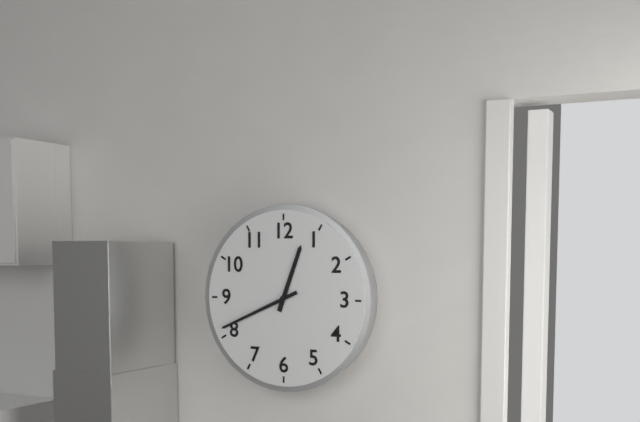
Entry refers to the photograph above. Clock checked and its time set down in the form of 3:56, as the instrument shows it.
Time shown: 12:41
